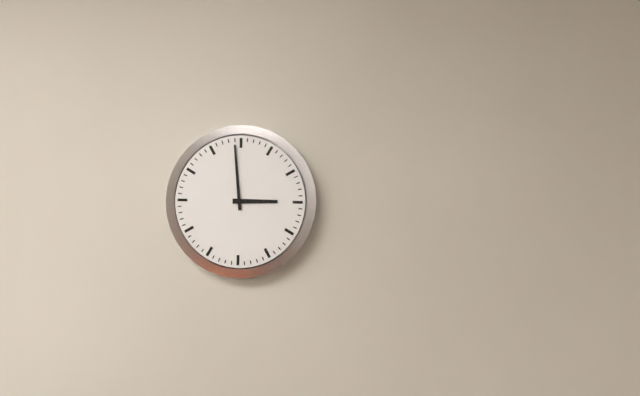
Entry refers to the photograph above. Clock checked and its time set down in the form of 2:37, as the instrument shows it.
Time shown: 2:59
